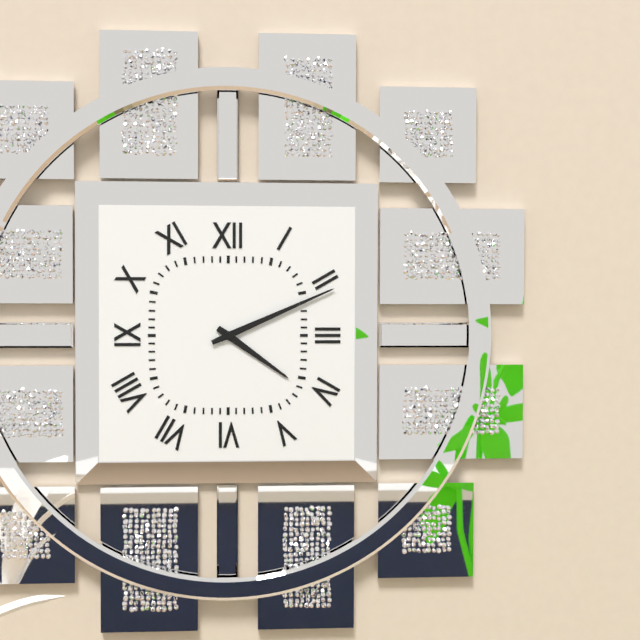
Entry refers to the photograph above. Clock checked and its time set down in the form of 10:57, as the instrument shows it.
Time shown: 4:11
